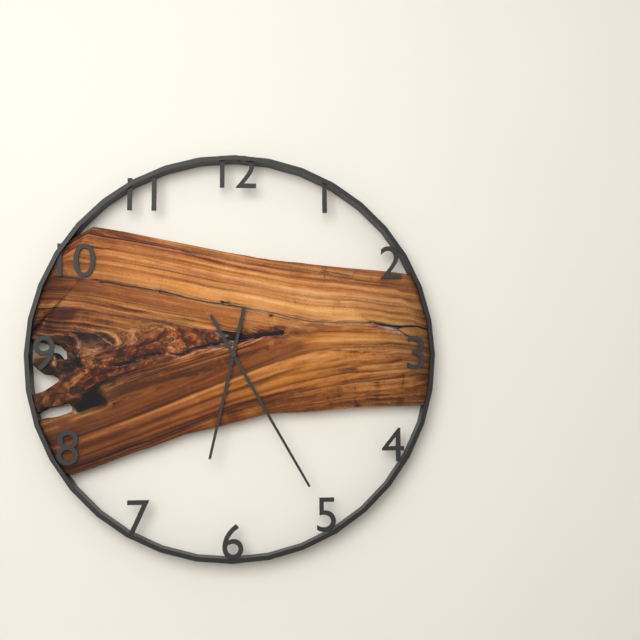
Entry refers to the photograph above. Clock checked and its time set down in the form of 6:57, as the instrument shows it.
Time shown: 6:25
